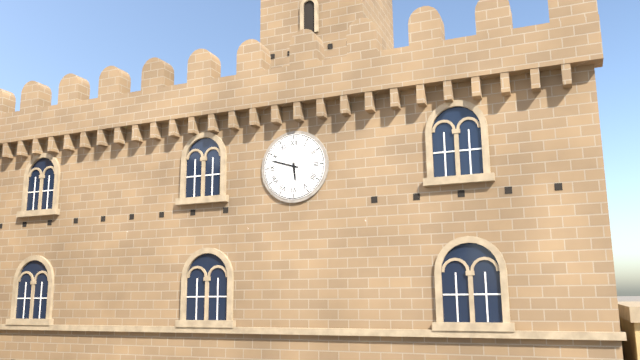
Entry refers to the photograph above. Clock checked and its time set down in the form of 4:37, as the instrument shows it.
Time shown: 5:48
